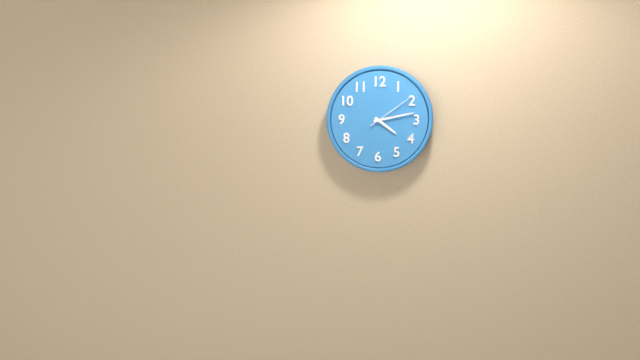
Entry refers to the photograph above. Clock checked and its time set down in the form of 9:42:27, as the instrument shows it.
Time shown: 4:13:09
